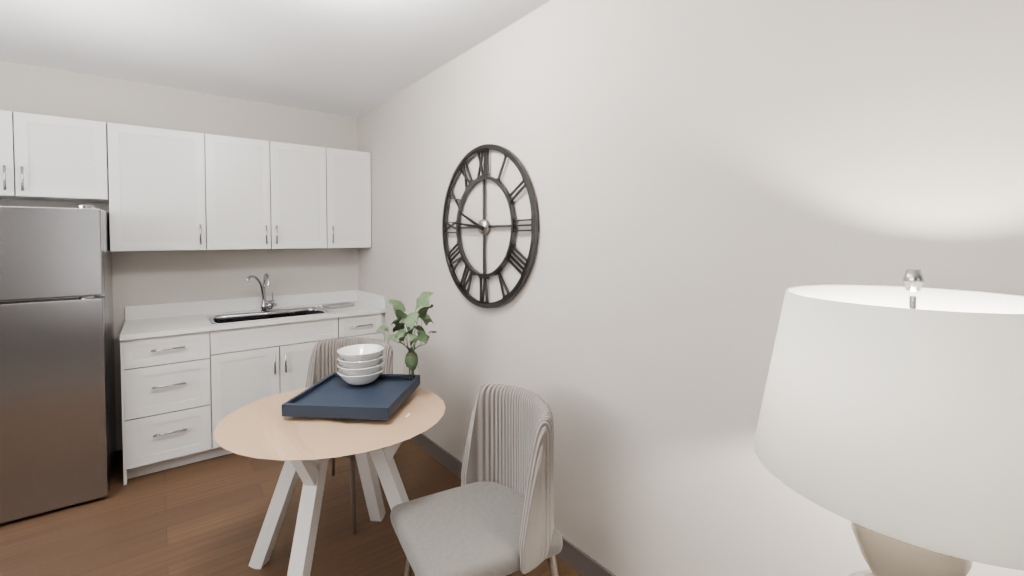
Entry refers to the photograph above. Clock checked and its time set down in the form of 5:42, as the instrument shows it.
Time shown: 9:46
